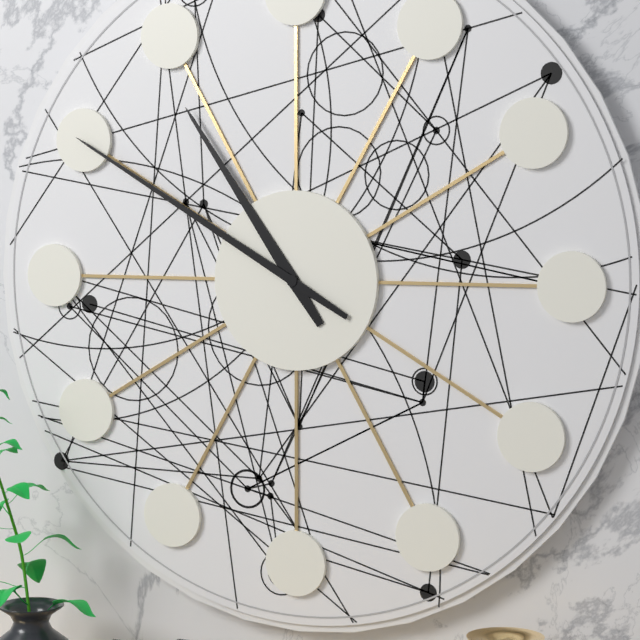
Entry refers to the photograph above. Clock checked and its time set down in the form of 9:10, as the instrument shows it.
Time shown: 10:50
